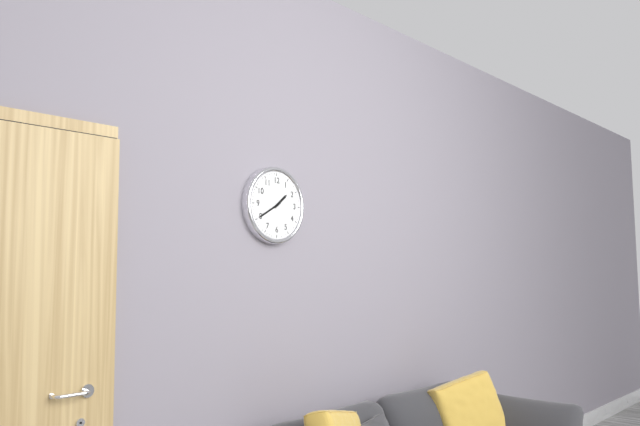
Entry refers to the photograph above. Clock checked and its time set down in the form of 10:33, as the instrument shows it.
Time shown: 1:40
